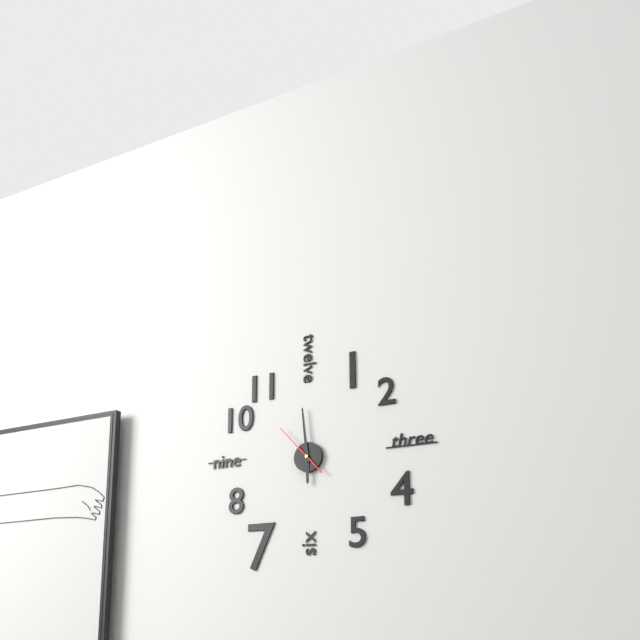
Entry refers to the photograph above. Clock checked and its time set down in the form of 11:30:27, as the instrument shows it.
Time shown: 5:59:53
